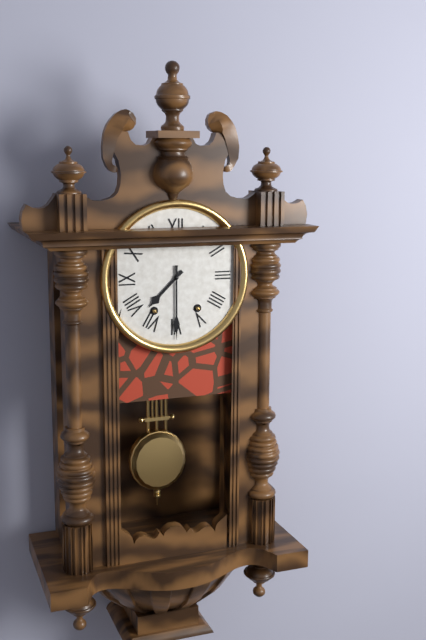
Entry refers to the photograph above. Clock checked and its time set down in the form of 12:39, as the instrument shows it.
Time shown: 7:30
